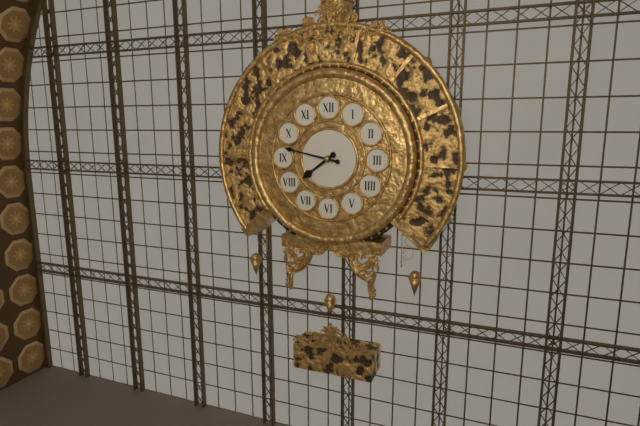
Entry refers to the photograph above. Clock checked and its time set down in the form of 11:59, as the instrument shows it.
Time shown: 7:47
